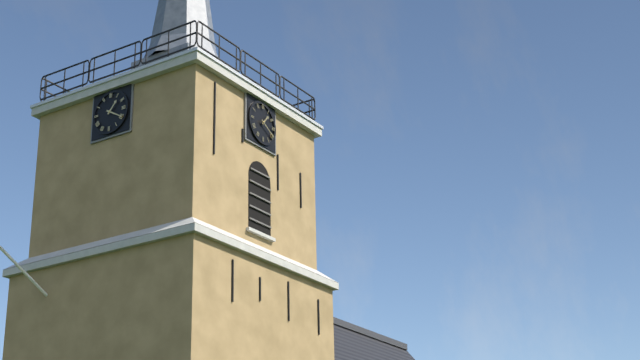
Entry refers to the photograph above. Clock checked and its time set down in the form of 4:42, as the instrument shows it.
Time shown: 1:20
